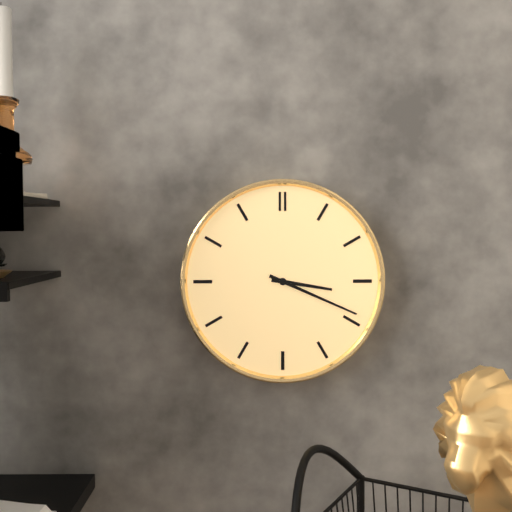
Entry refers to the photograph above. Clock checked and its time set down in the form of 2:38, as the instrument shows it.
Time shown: 3:19
